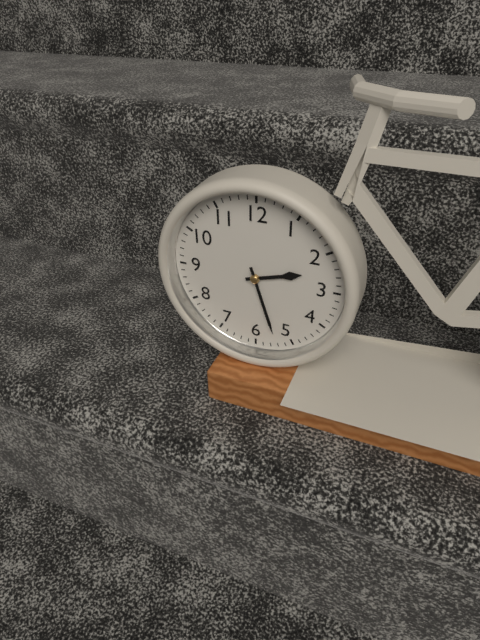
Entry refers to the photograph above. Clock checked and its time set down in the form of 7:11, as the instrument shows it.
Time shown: 2:27
